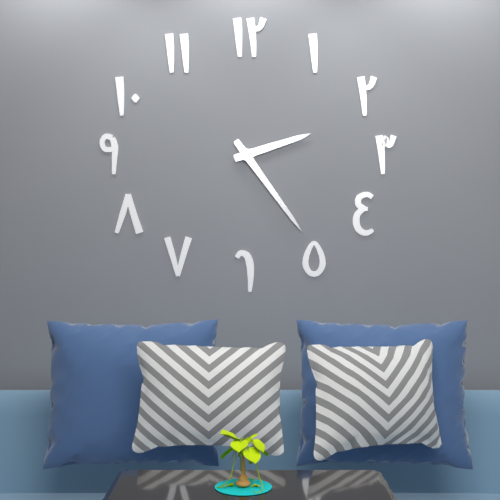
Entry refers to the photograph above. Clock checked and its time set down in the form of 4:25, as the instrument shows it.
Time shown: 2:24
